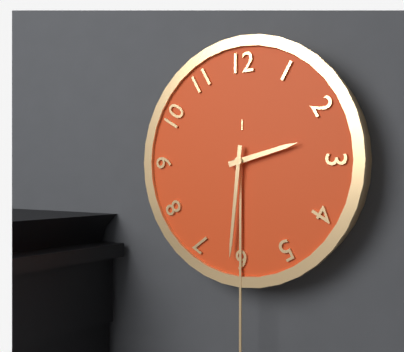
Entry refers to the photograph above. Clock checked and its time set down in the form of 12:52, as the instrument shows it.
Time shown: 2:31
